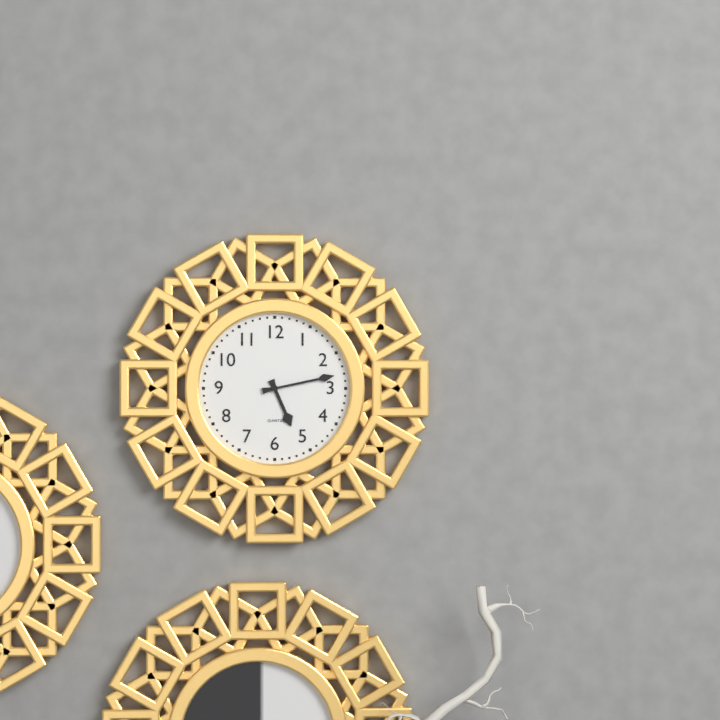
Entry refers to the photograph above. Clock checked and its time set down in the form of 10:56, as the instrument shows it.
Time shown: 5:13
